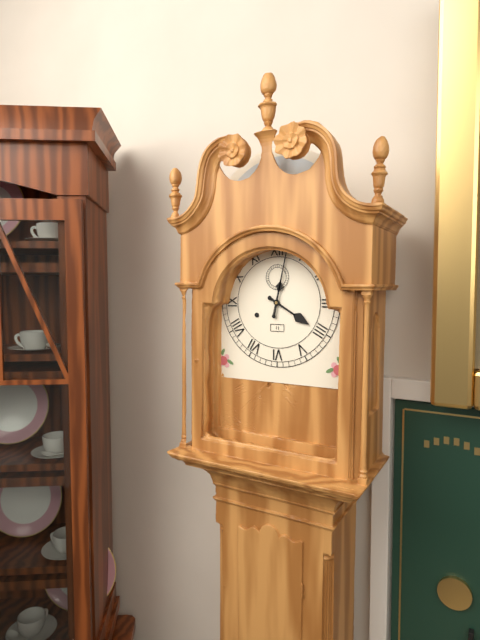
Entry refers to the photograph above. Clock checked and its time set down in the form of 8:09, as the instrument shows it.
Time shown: 4:02
